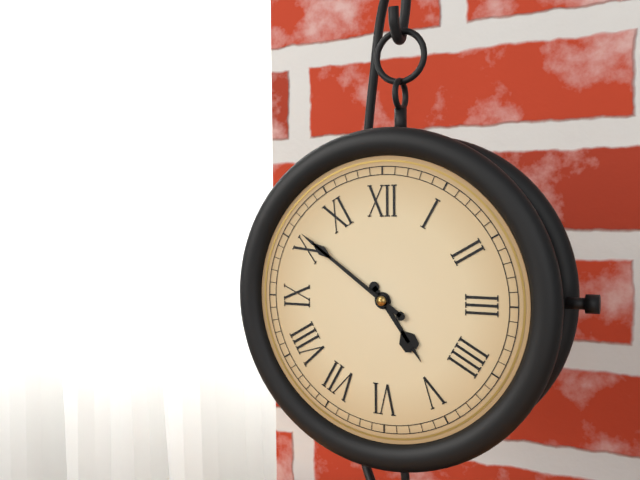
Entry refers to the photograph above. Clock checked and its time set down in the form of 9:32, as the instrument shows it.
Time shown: 4:51
